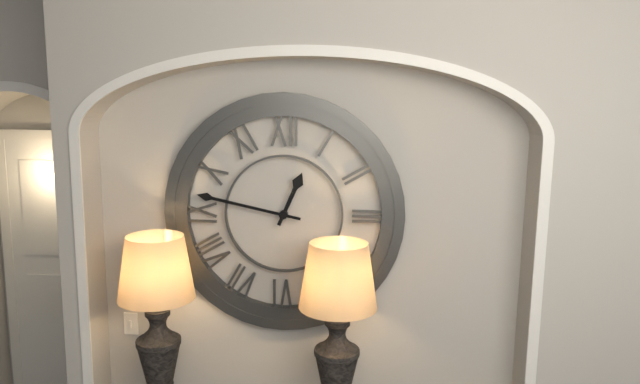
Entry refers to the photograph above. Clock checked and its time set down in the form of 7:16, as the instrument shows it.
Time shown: 12:47
